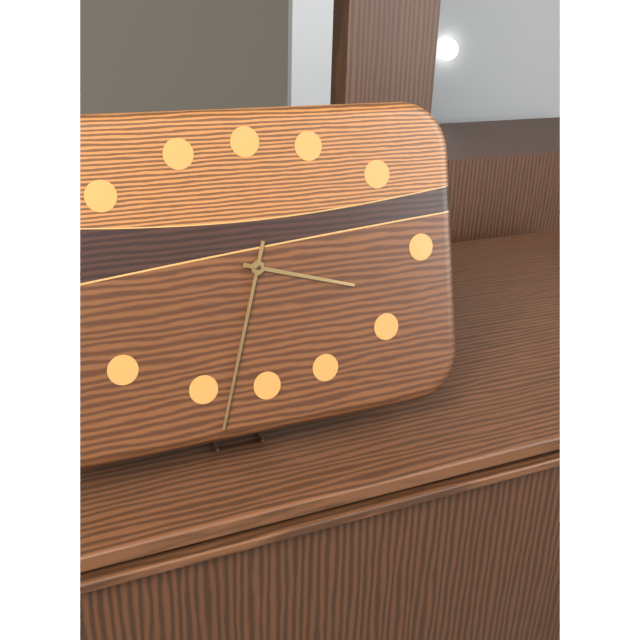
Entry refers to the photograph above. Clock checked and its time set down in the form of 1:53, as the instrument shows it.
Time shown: 3:33
